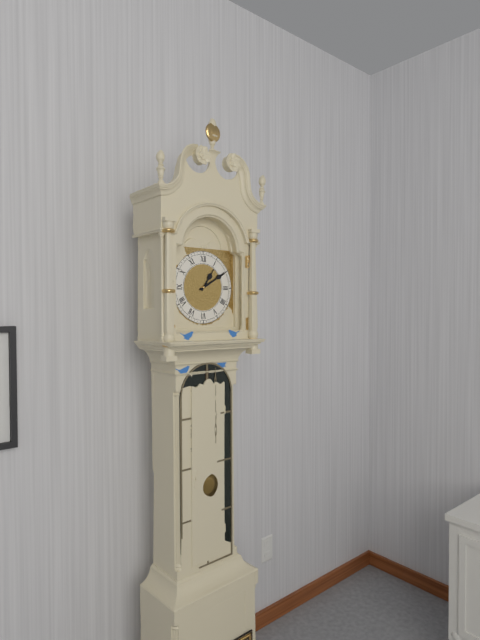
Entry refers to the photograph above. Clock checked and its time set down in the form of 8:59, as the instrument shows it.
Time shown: 1:10
